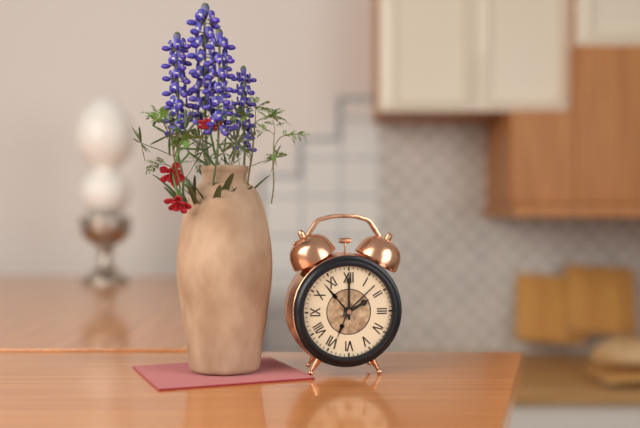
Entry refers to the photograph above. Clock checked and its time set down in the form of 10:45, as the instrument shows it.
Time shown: 2:00
